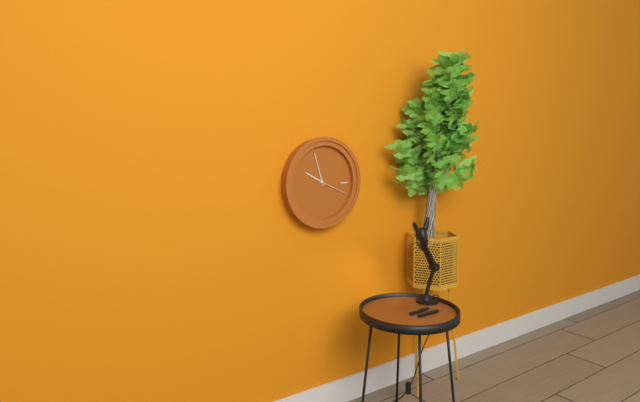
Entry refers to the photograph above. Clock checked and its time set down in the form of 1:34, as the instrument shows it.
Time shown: 9:57
